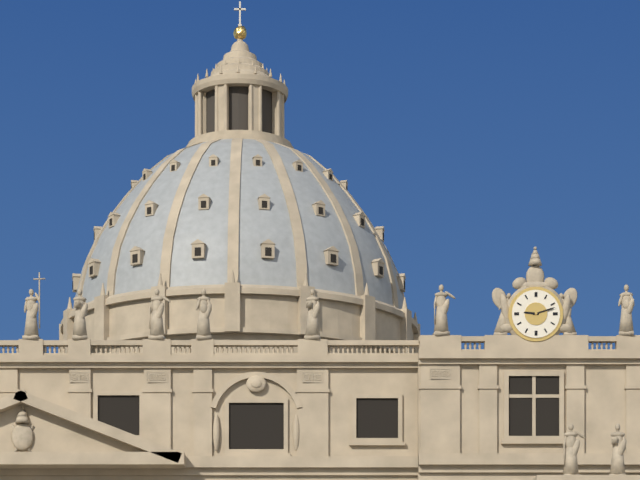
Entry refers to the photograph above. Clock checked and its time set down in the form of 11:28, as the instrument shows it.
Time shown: 9:12
